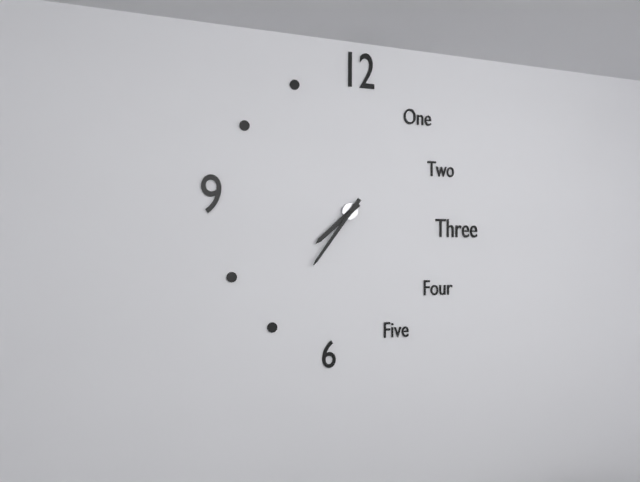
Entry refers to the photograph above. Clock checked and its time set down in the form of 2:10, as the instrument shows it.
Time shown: 7:36
